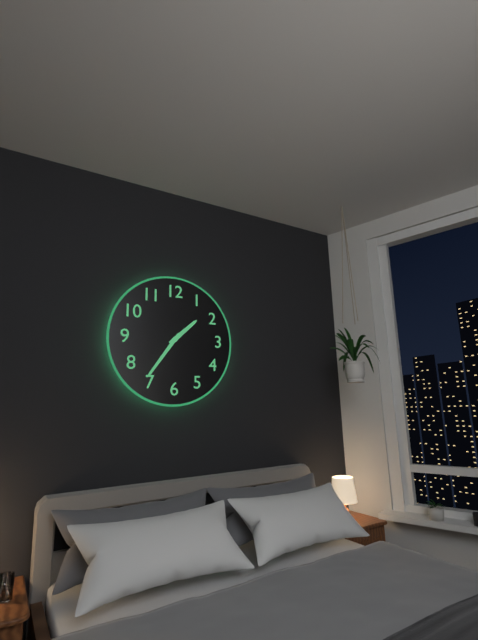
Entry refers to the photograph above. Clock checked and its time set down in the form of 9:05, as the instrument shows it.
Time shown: 1:36
